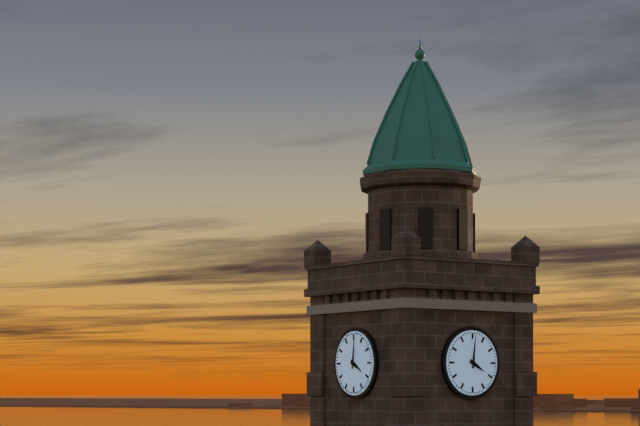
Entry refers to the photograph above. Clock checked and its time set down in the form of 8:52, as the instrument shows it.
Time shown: 4:01
